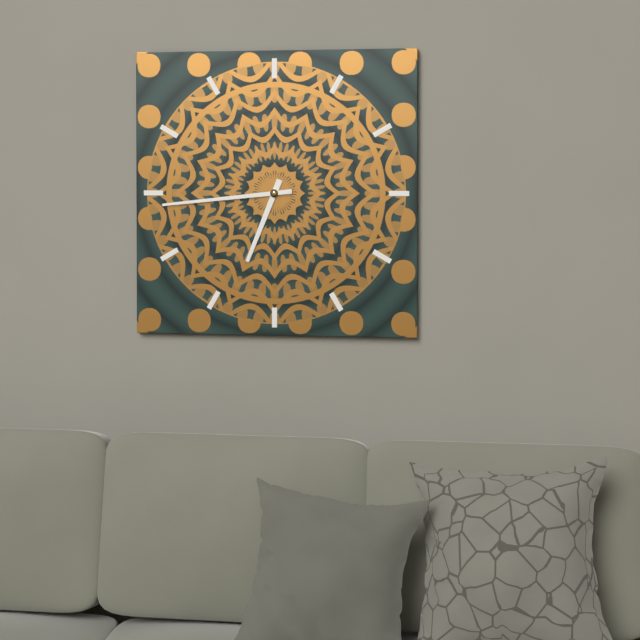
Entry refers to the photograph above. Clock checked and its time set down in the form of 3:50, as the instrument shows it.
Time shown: 6:44
